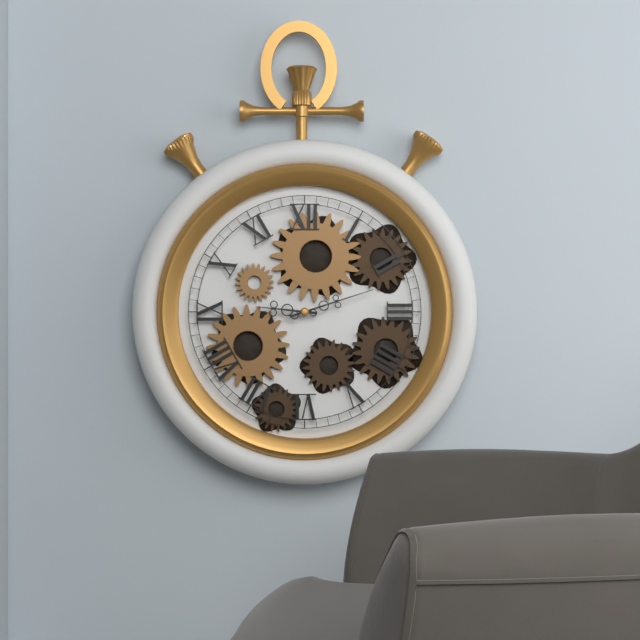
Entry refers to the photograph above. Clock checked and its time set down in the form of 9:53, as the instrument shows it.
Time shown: 9:12
